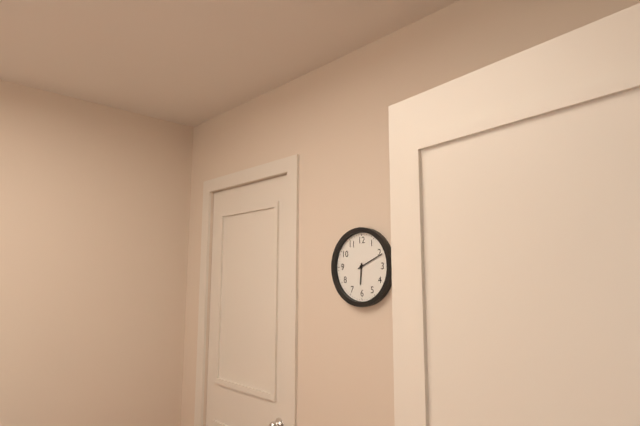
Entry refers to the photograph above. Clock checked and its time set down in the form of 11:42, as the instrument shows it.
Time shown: 6:11
